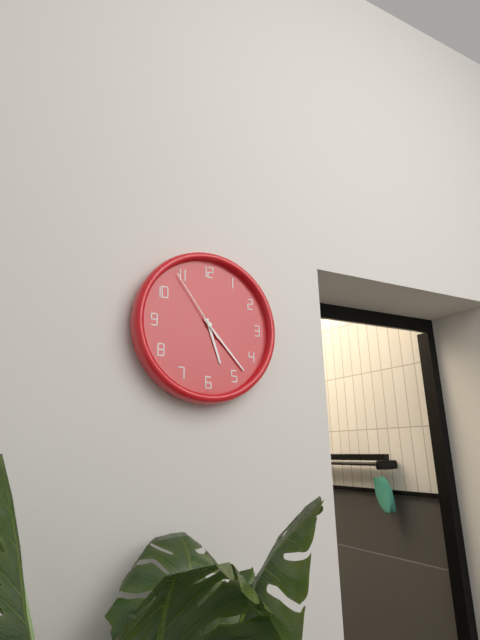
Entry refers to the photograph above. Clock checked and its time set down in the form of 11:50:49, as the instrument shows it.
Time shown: 5:23:54
